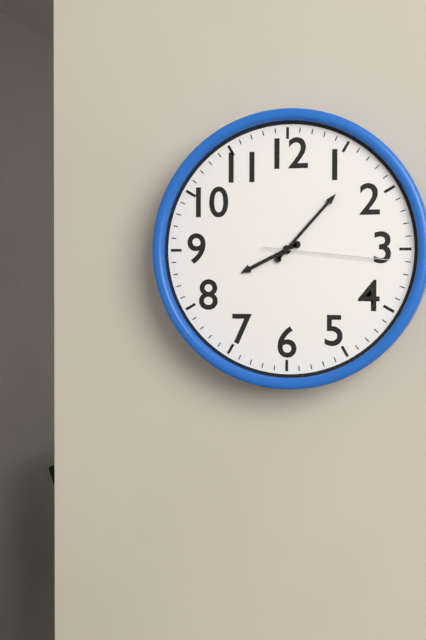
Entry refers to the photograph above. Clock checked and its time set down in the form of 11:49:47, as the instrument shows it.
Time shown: 8:07:16
